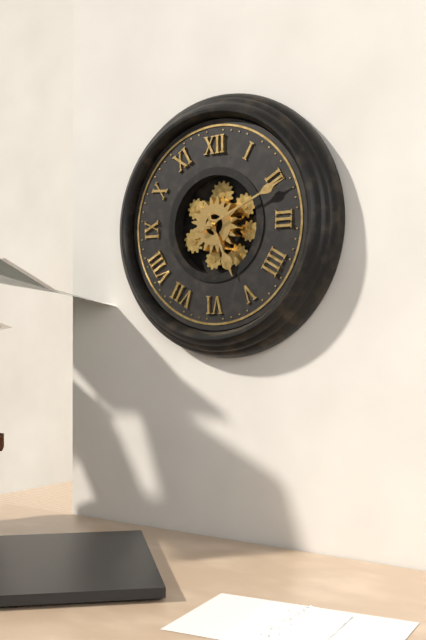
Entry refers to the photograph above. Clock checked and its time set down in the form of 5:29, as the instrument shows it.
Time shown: 5:11
